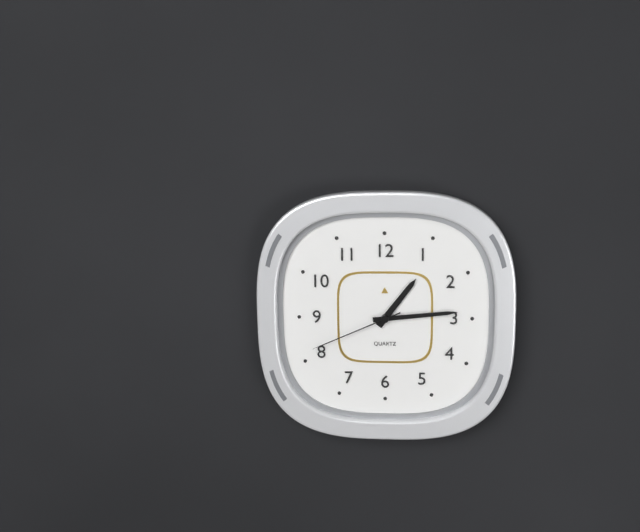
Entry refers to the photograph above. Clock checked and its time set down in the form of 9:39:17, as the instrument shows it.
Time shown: 1:14:41
